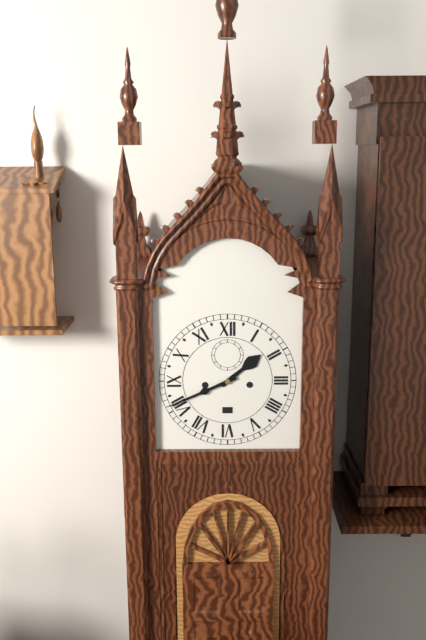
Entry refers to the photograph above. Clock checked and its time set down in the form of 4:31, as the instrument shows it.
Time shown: 1:41
